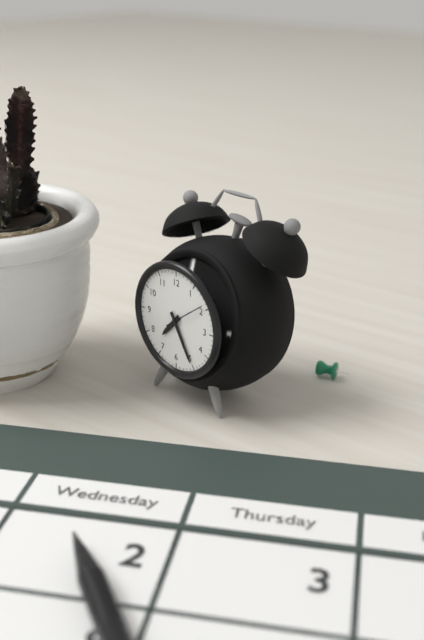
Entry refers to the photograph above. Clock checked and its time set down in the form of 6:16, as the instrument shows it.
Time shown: 7:25
